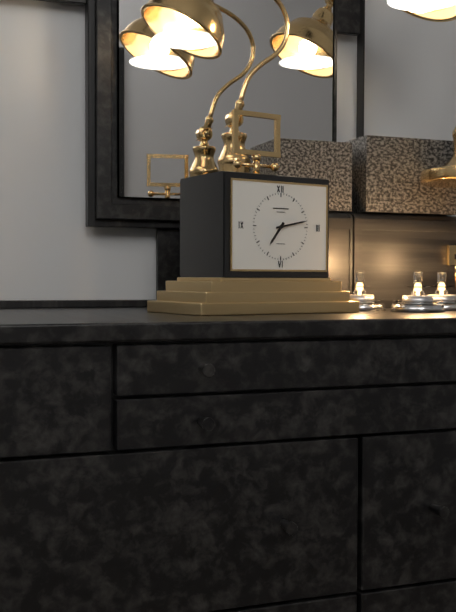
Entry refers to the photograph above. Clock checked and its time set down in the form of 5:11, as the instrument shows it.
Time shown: 7:13
